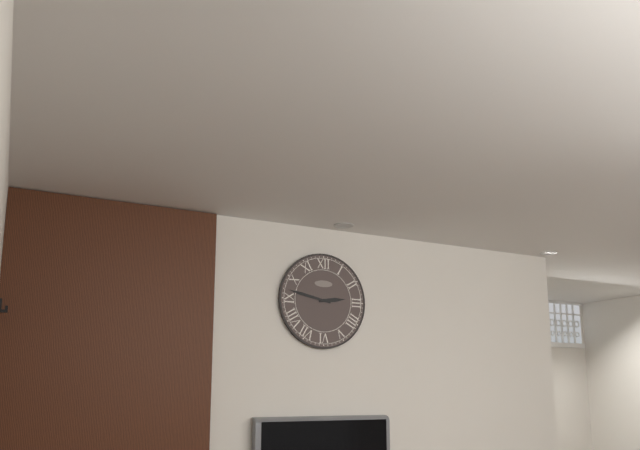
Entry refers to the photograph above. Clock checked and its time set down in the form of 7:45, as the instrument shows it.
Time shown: 2:47
